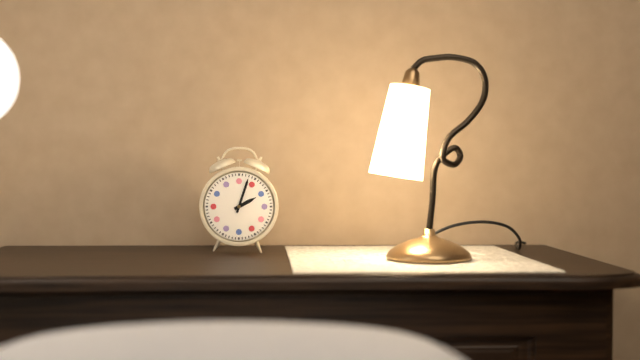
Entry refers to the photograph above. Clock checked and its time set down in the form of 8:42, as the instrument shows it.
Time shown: 2:03
